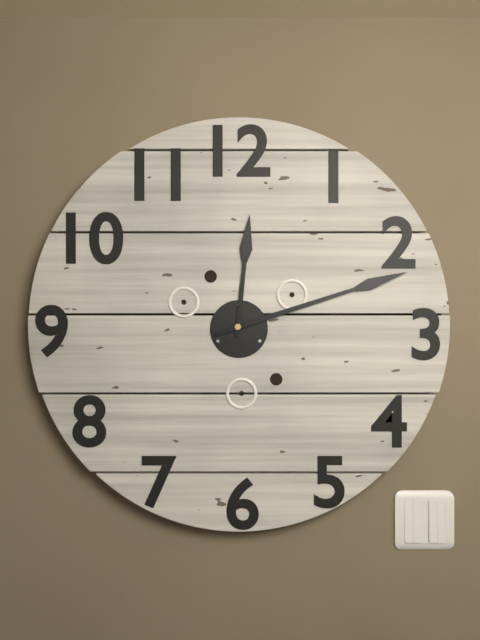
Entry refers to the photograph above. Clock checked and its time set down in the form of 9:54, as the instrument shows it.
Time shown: 12:12
